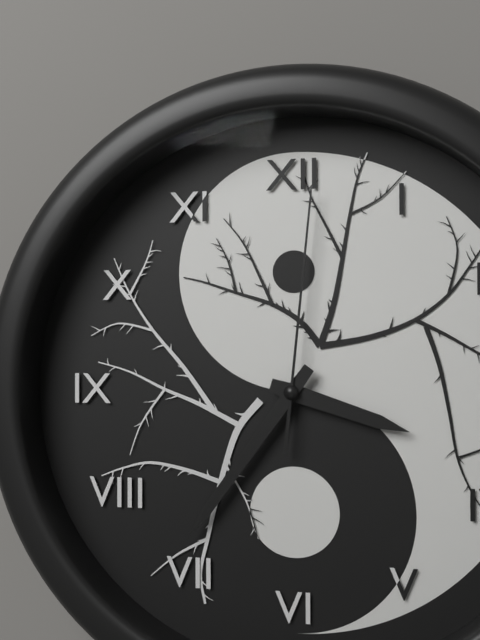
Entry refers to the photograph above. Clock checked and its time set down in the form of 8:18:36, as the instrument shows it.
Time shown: 3:36:01
